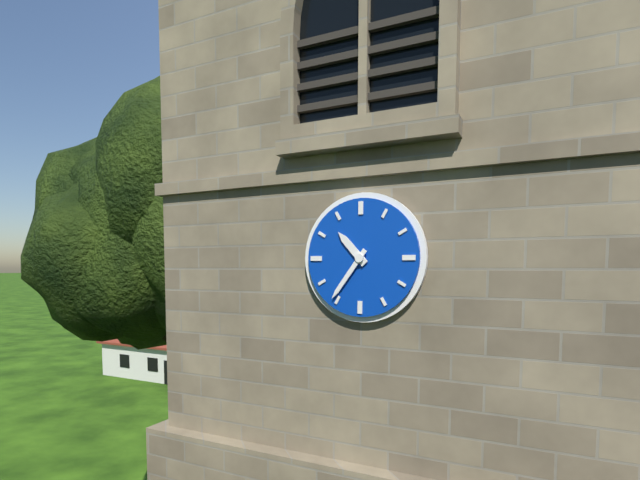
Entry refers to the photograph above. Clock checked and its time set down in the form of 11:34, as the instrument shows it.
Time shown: 10:36
